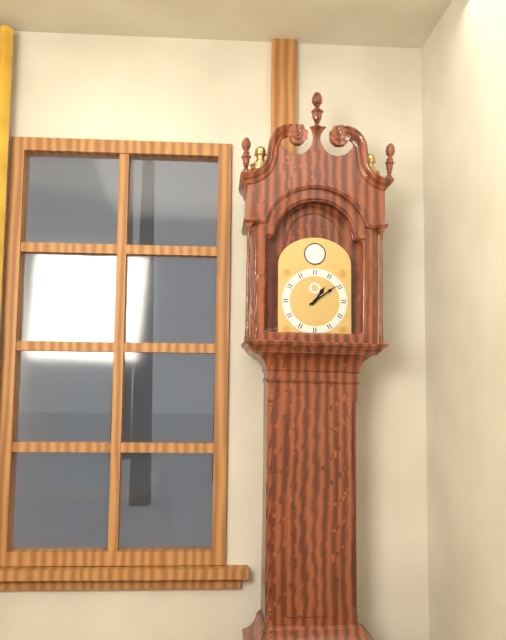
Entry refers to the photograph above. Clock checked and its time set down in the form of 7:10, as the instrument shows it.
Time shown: 1:09
